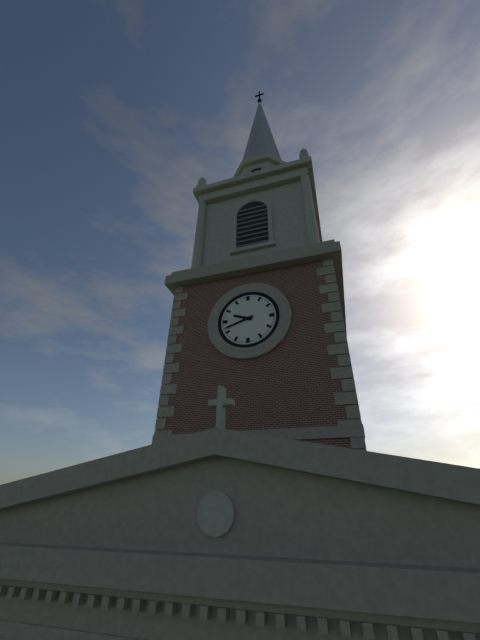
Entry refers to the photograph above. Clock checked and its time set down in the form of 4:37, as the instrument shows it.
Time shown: 9:42
